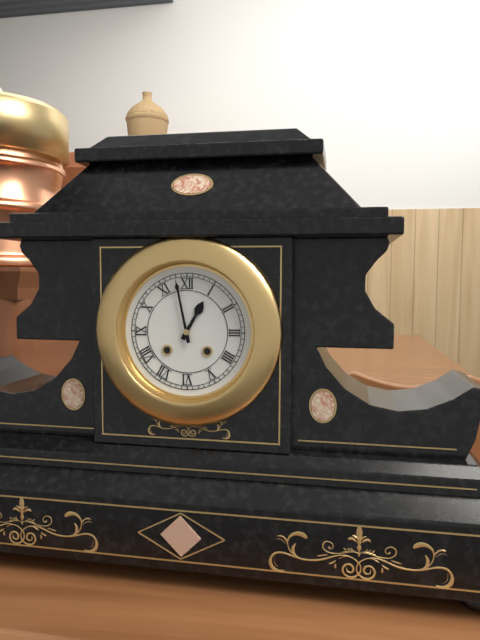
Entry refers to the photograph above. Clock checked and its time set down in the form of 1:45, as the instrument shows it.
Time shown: 12:58
